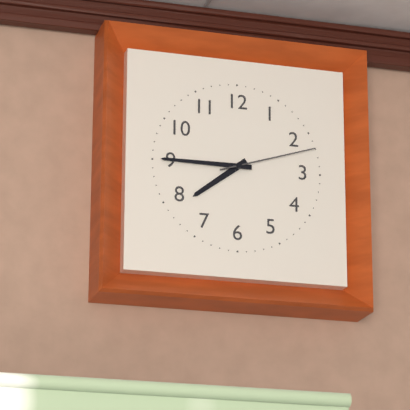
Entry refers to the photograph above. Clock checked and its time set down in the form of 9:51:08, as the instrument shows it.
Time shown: 7:45:12
